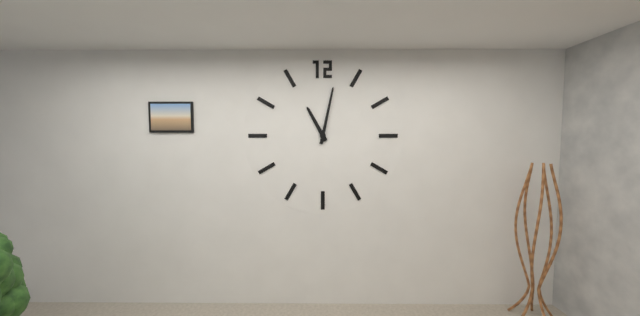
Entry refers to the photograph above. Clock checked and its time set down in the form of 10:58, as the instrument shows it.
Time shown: 11:02
